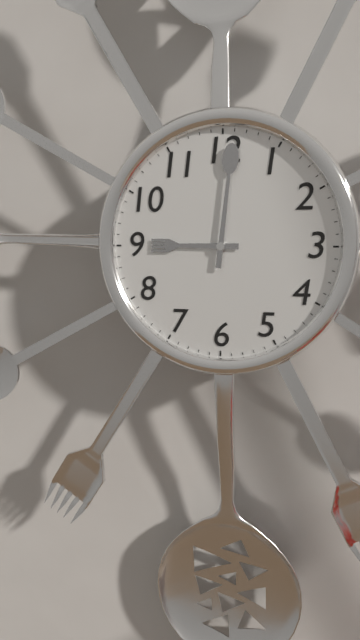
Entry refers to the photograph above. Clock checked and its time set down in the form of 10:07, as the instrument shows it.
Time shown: 9:01
